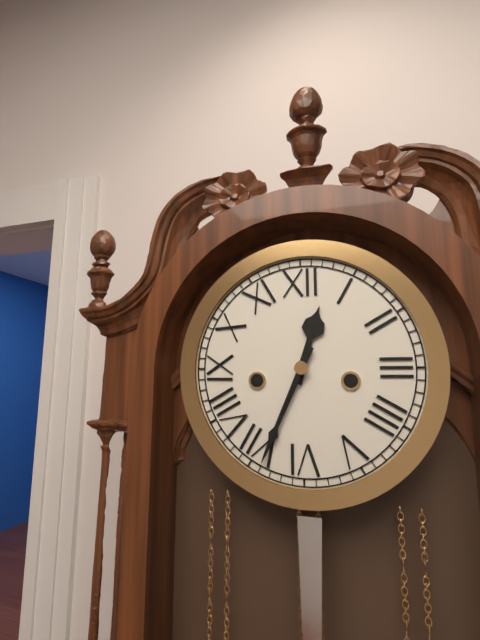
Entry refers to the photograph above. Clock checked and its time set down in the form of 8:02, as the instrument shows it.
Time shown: 12:34
